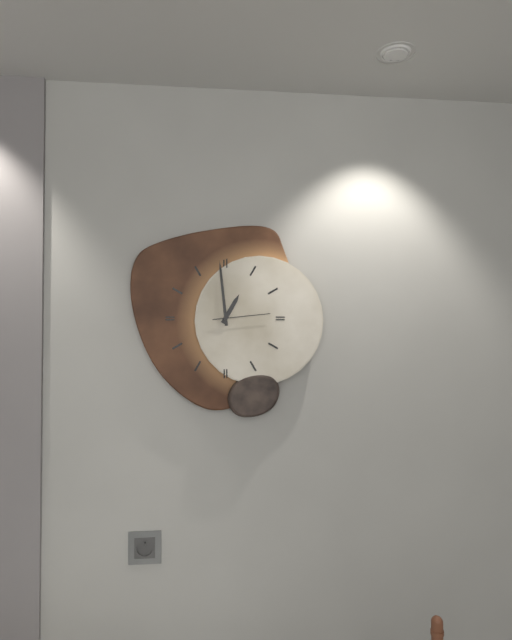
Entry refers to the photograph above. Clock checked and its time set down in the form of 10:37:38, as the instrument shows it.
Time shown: 12:59:14
